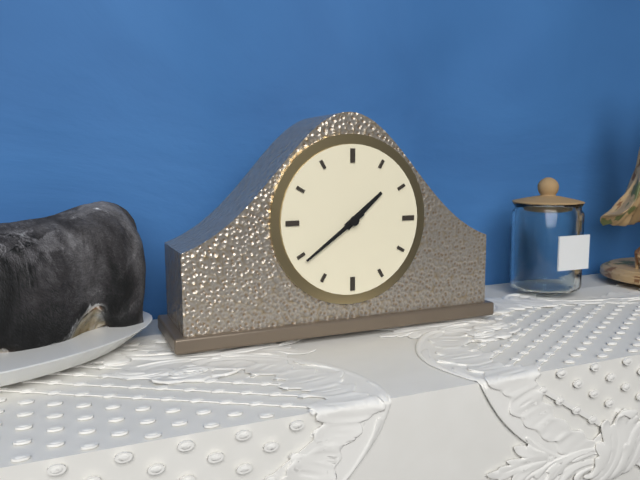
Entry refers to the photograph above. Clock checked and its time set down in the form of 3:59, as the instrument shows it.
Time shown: 1:39
